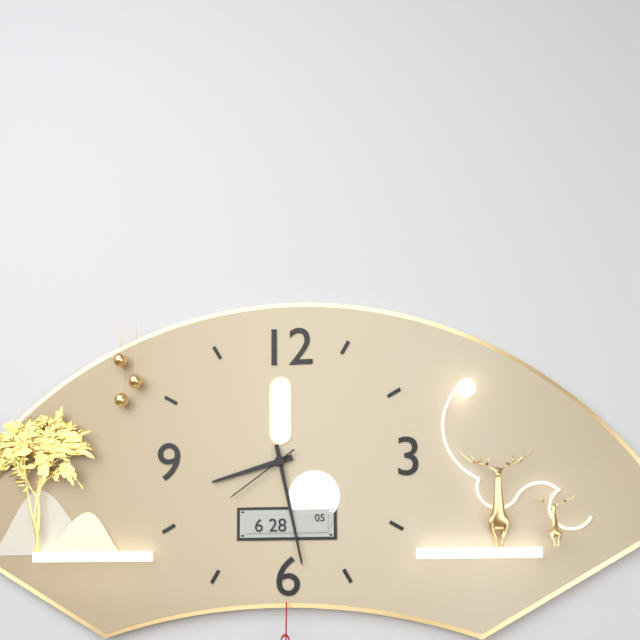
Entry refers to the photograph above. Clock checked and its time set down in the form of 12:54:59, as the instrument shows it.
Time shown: 8:28:39
